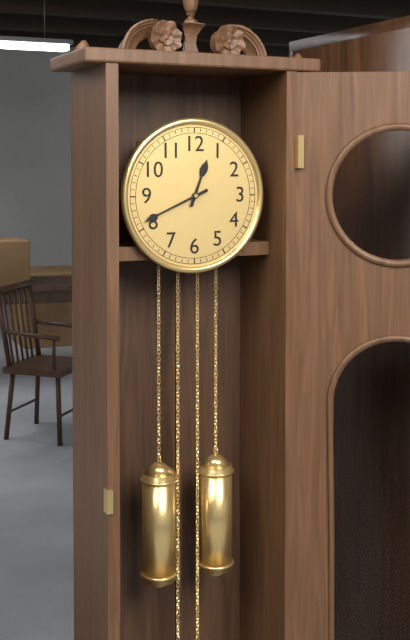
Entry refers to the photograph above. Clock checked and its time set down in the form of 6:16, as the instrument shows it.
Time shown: 12:41
